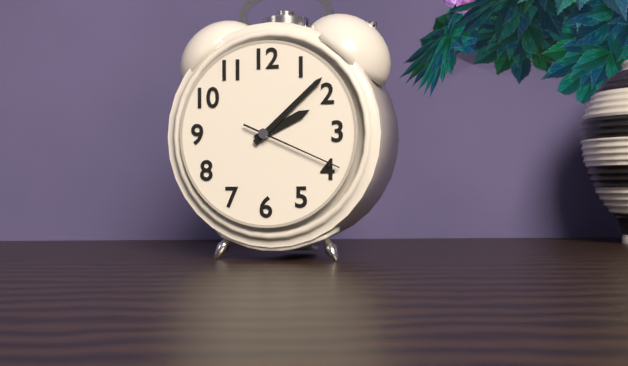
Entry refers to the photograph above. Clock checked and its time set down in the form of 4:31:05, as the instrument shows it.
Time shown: 2:08:19
